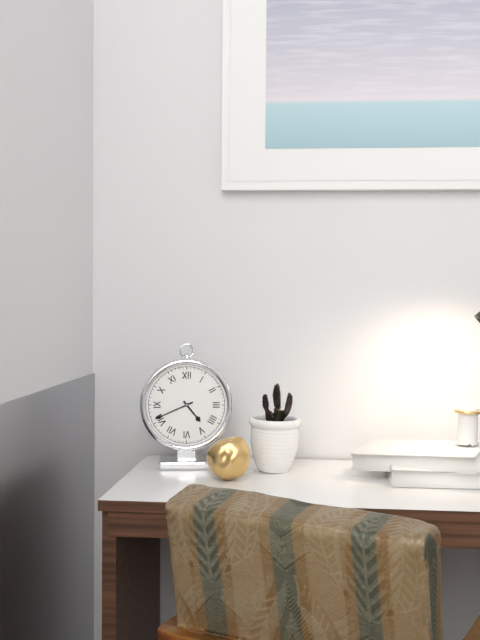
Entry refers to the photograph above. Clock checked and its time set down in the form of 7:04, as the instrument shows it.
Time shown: 4:41
